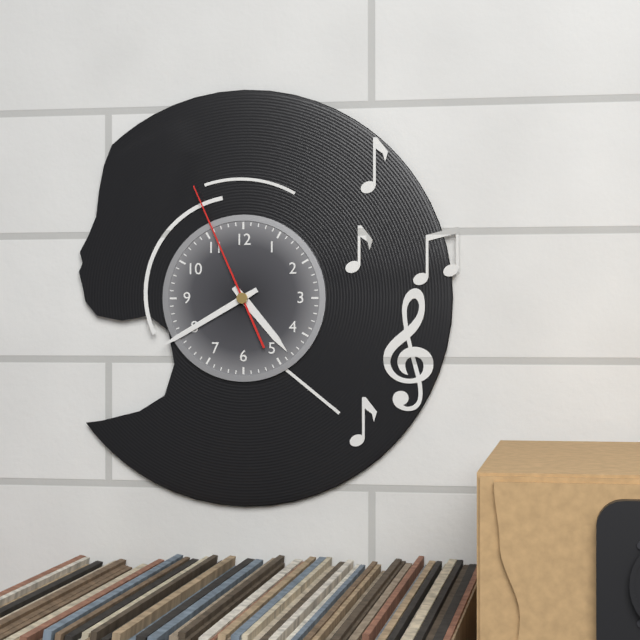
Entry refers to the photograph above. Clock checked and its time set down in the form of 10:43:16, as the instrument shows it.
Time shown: 4:40:56
